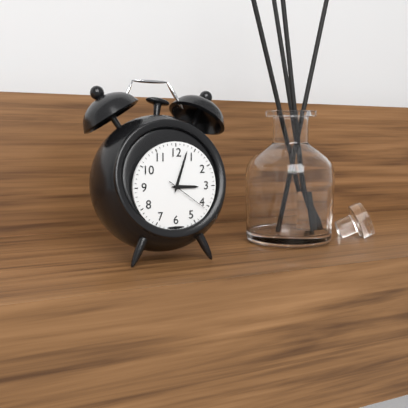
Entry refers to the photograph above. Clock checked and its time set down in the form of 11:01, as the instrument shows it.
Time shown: 3:03
